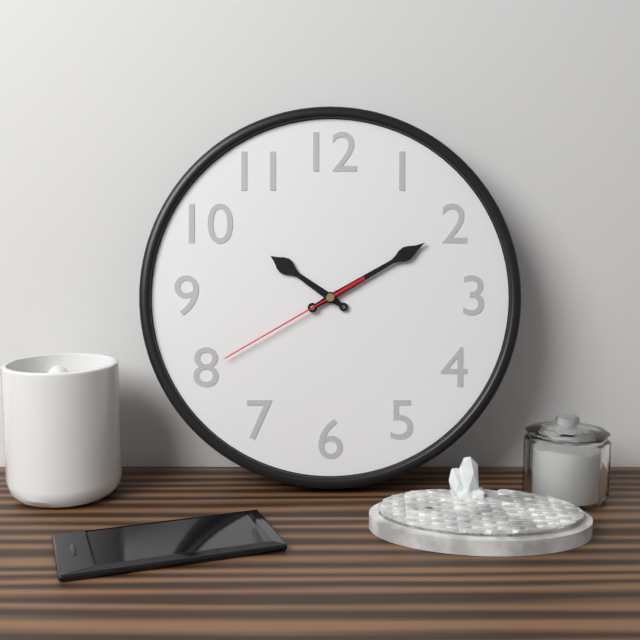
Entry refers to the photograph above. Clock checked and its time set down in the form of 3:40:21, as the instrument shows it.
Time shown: 10:10:40
